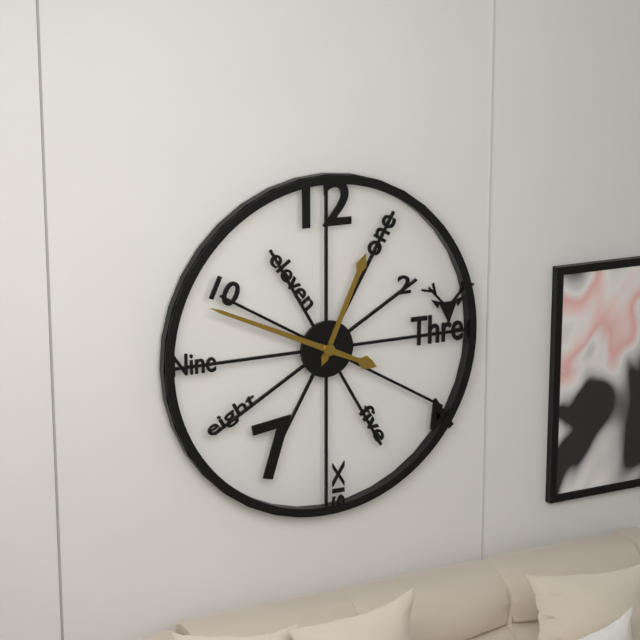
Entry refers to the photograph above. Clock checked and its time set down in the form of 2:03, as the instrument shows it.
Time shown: 12:49
